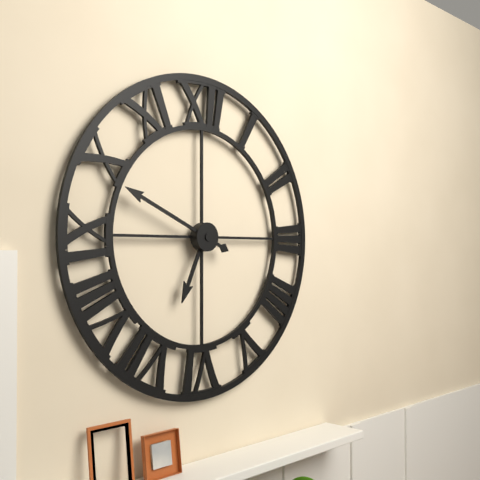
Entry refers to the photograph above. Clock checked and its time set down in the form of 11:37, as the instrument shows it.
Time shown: 6:49
